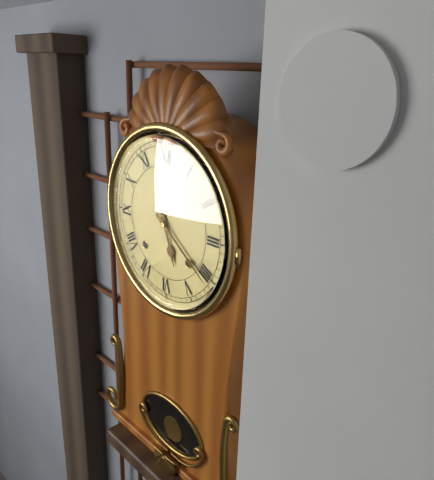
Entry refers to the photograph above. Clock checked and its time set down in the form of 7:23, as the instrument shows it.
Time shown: 5:21
